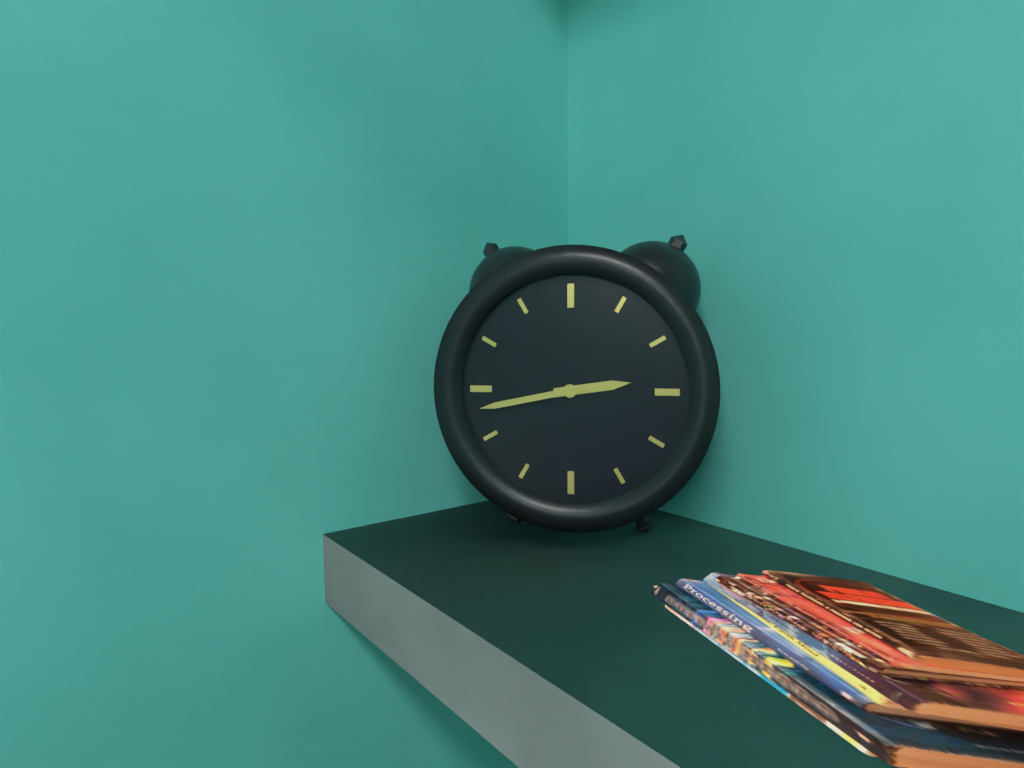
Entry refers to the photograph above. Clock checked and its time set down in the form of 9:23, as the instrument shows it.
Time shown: 2:43
